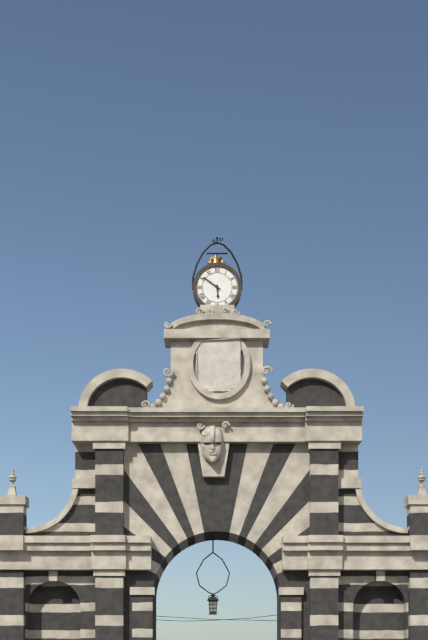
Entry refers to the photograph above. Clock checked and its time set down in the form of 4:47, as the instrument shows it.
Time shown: 5:51
